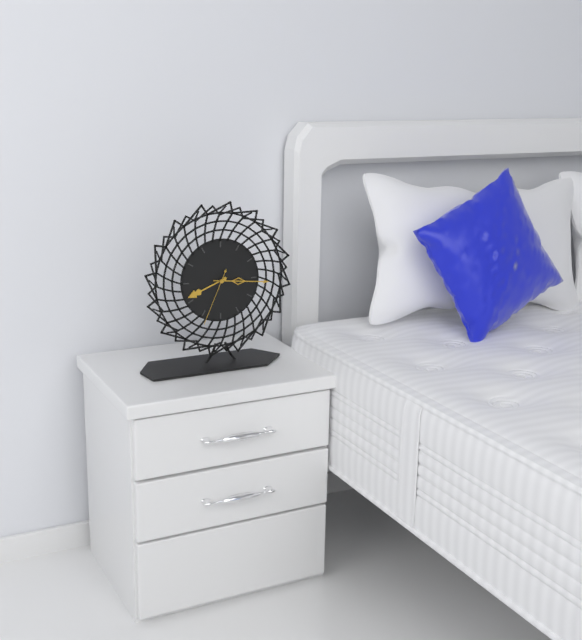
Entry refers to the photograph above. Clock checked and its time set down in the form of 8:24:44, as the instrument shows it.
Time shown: 8:16:34
